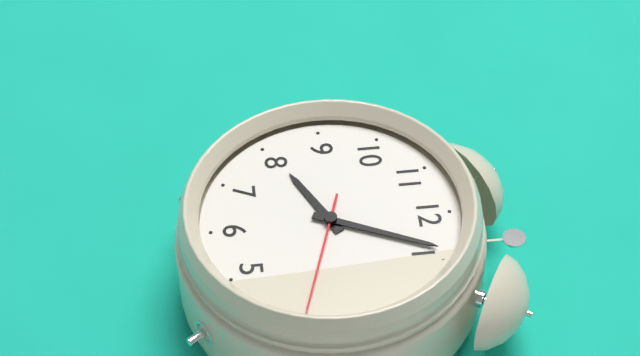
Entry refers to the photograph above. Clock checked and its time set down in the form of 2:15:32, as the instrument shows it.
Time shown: 8:04:18
